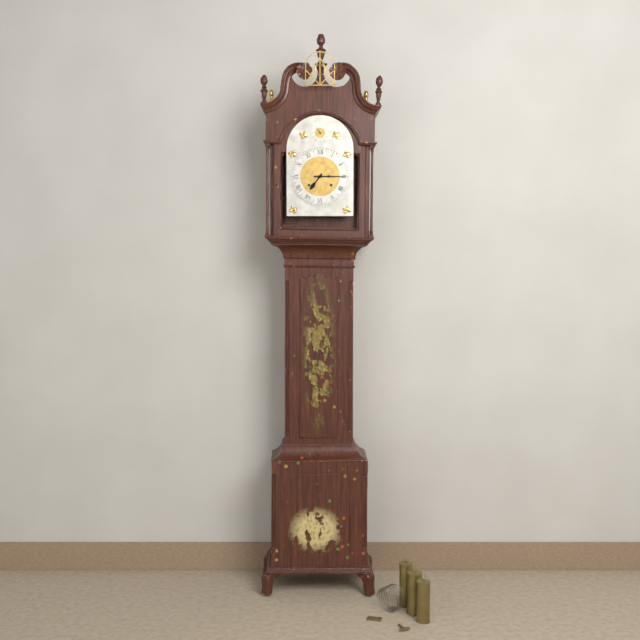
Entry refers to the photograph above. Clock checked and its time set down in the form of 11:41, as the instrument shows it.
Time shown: 7:15
